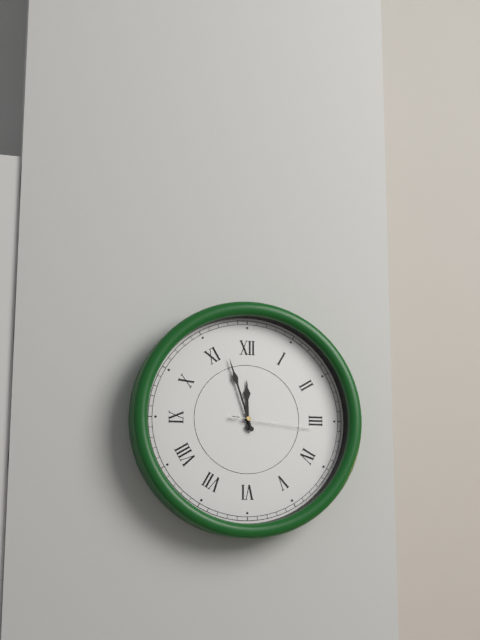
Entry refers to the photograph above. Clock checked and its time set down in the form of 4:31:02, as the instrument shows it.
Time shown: 11:57:16
